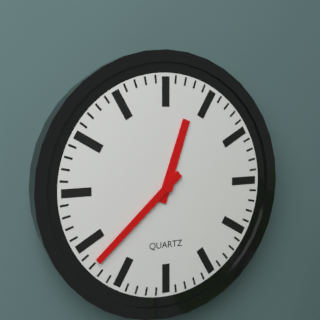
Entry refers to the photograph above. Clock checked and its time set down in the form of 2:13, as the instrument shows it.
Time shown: 12:38
